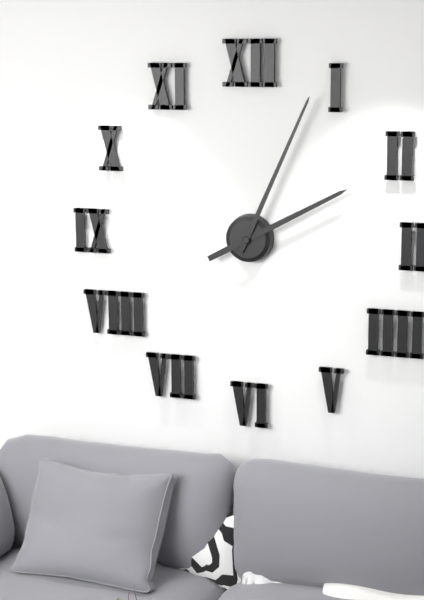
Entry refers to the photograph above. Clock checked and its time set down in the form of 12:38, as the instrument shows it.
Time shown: 2:04
